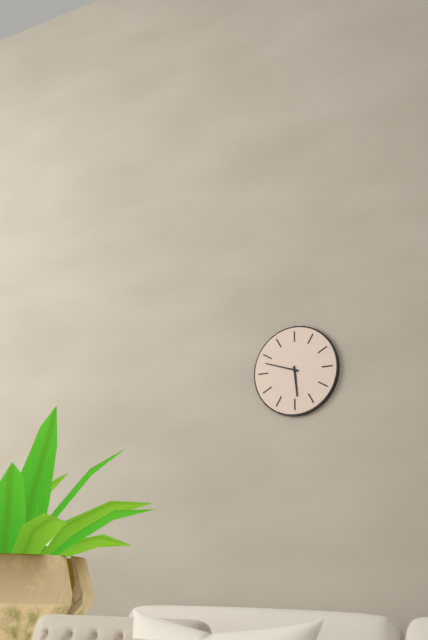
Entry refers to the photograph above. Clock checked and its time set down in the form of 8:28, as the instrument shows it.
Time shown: 5:48
